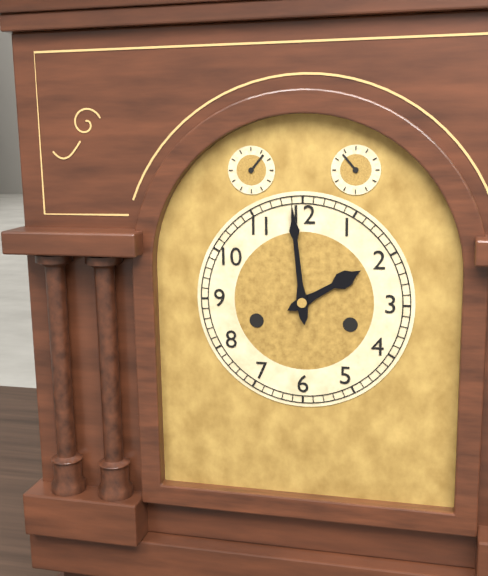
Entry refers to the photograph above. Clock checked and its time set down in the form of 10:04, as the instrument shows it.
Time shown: 1:59
